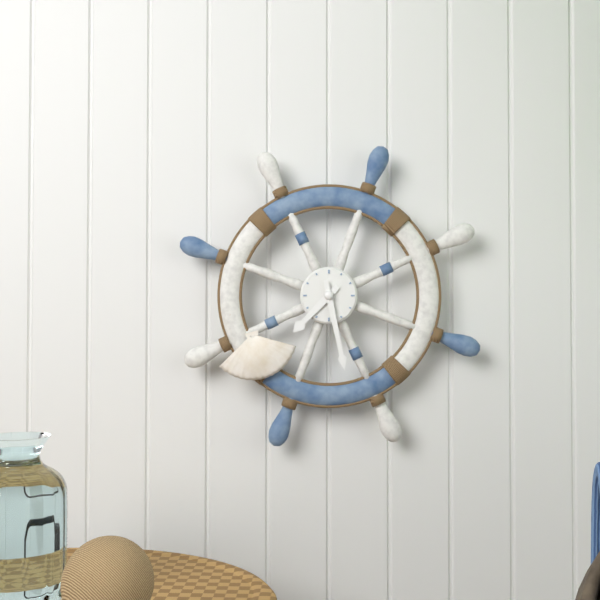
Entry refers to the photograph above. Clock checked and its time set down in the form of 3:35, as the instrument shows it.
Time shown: 7:28
